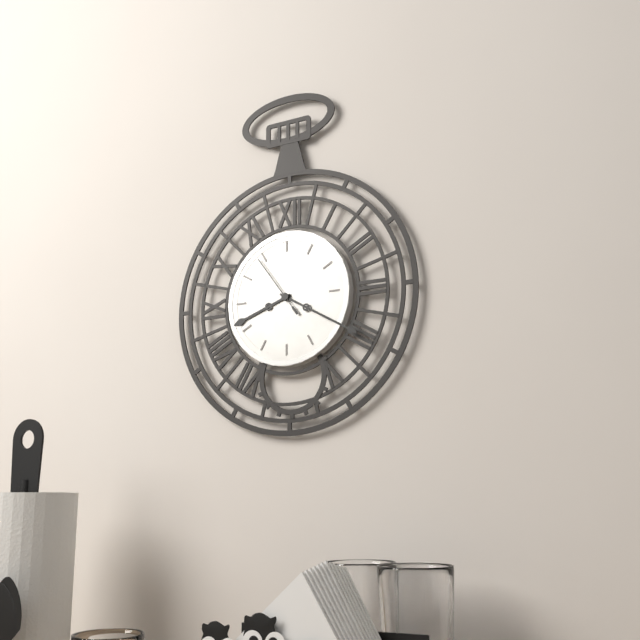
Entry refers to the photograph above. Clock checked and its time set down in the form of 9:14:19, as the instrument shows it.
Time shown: 8:20:54
